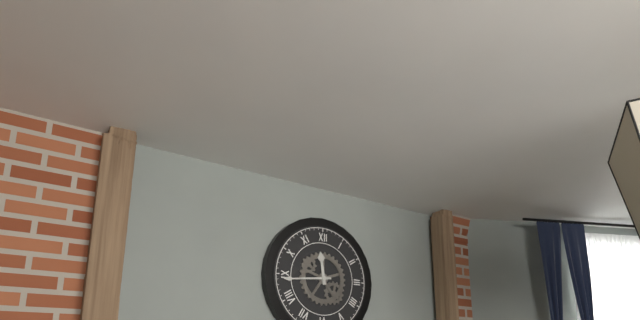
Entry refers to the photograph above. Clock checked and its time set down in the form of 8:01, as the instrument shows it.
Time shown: 11:44
